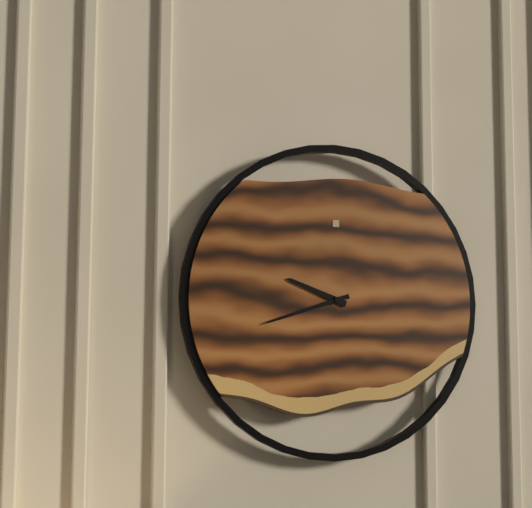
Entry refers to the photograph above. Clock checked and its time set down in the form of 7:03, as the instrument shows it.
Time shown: 9:42
